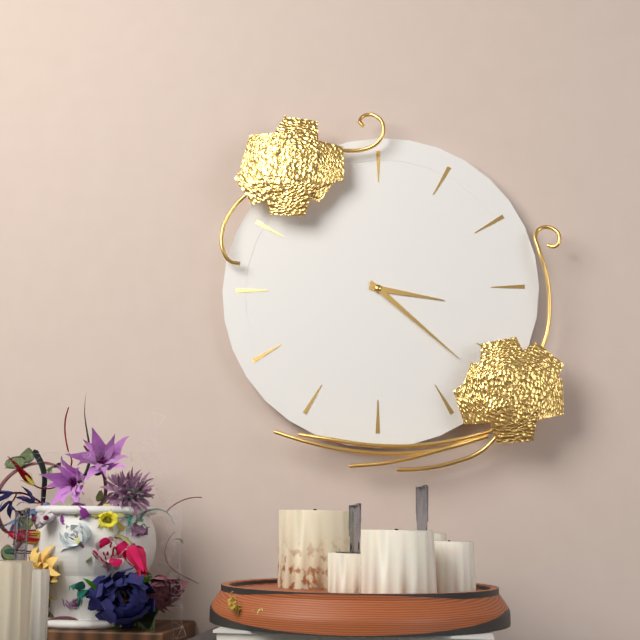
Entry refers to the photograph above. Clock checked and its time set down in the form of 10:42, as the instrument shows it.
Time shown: 3:22
